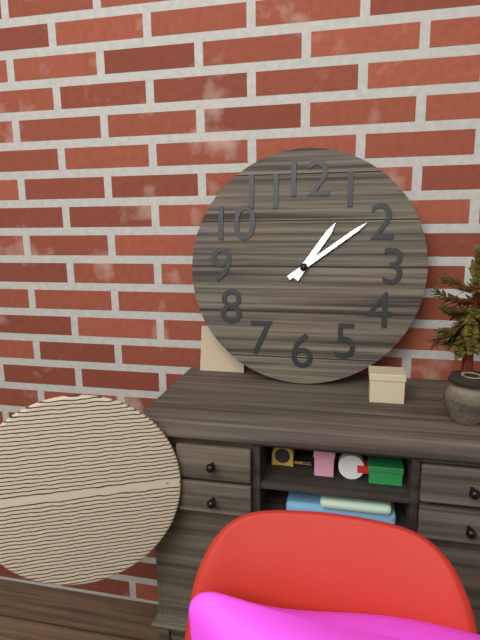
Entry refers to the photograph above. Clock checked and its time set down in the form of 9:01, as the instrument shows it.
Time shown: 1:09
